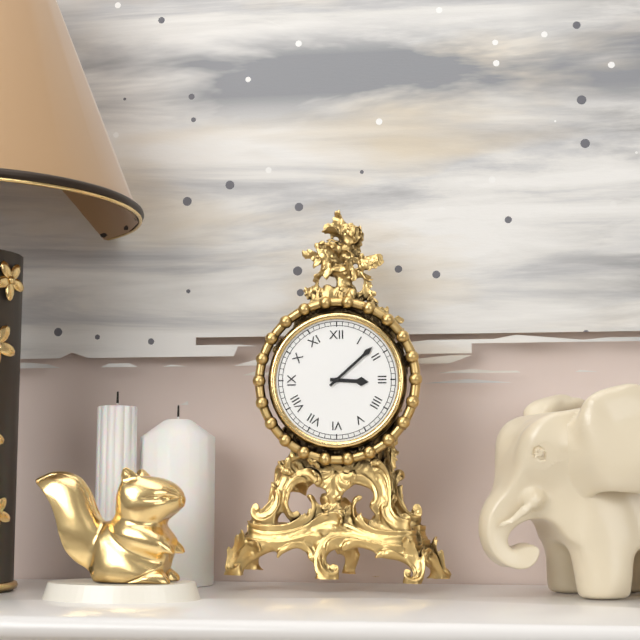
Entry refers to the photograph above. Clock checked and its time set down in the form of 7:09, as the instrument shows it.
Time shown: 3:08
